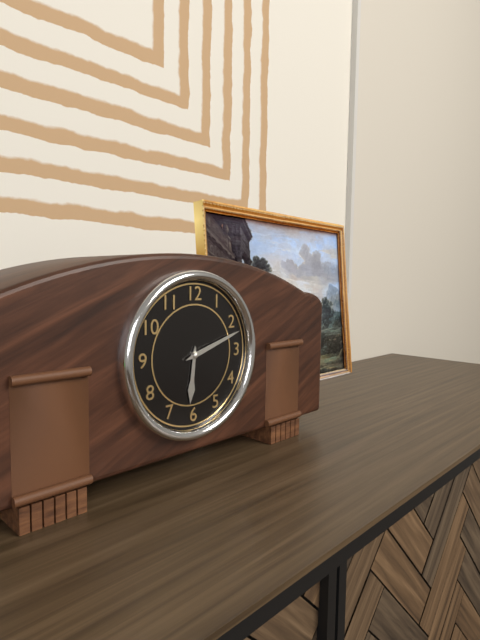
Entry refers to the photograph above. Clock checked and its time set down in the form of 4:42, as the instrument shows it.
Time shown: 6:12
